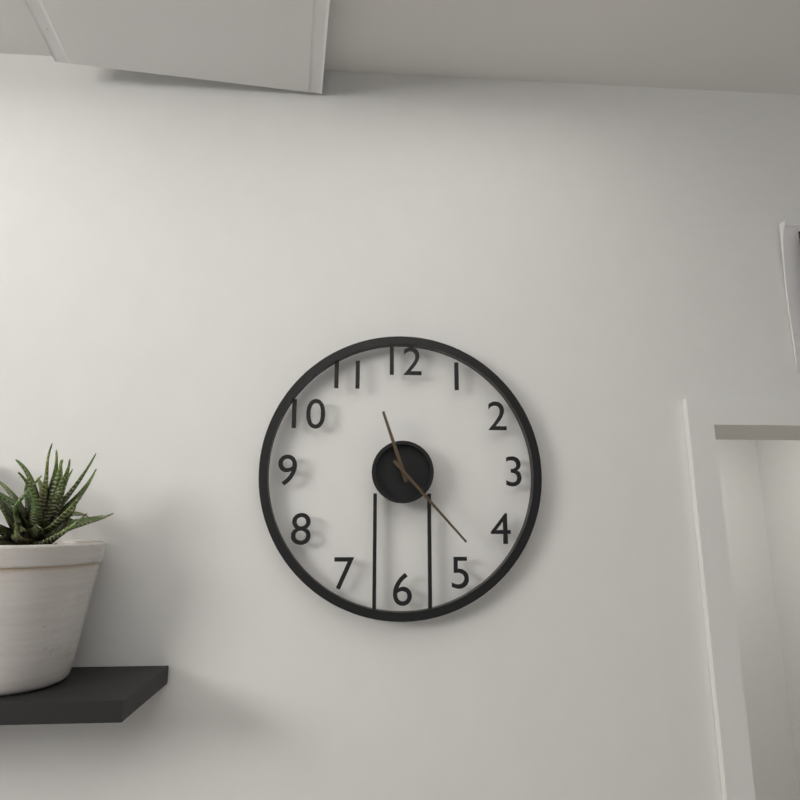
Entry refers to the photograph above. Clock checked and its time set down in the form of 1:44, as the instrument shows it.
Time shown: 11:23
